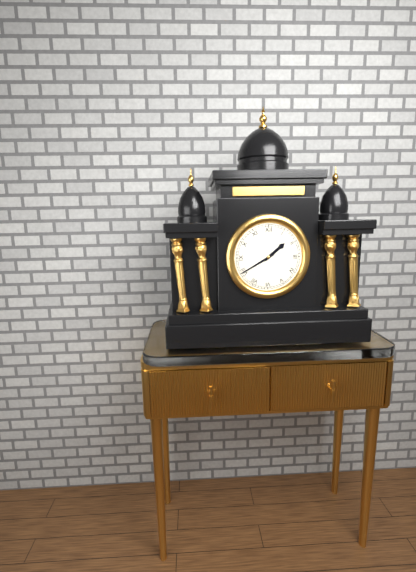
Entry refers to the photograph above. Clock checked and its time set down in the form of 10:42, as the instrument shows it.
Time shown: 1:40
